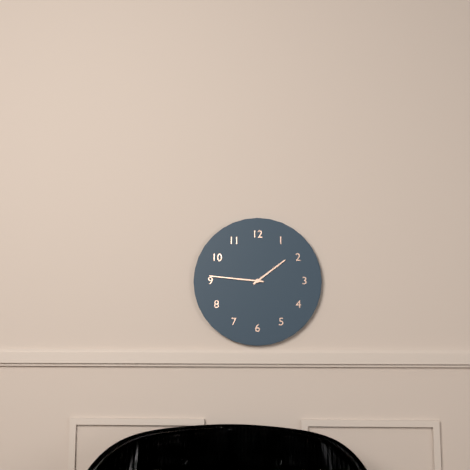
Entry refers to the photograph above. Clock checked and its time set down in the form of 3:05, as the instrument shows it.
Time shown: 1:46
